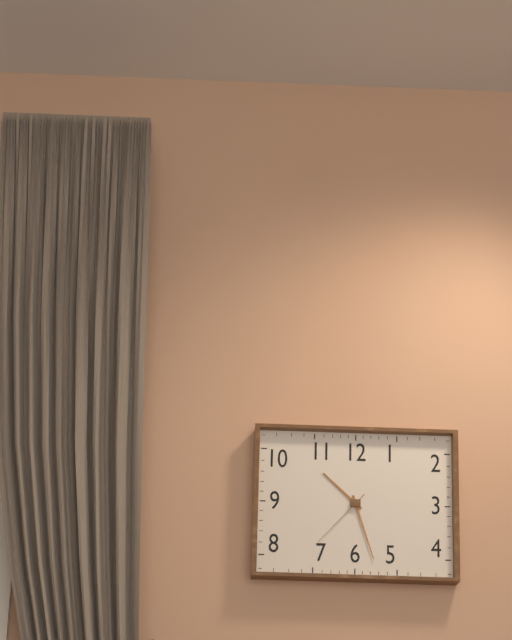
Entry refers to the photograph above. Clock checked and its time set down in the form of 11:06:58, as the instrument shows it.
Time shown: 10:27:37
